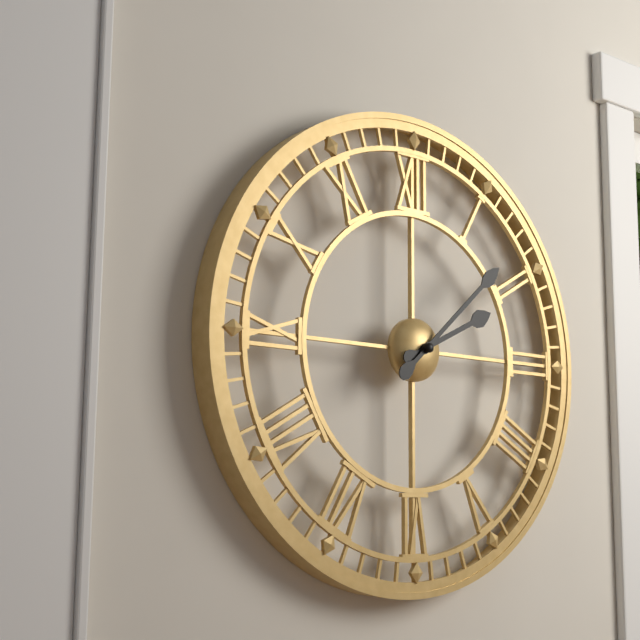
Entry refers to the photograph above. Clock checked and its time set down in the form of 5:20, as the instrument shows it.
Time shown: 2:08
